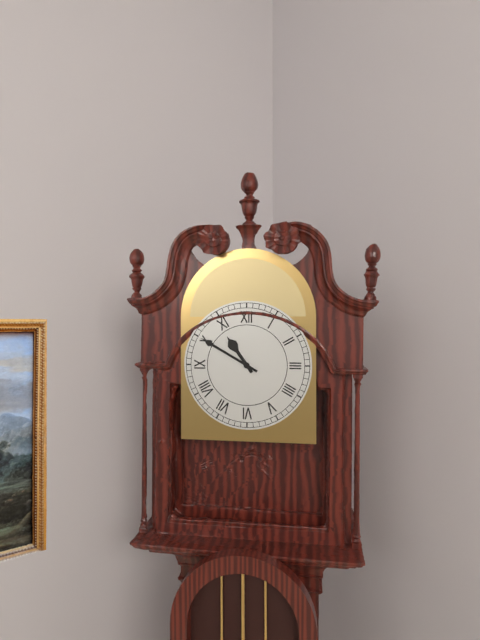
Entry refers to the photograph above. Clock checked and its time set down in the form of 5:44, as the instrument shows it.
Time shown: 10:50
